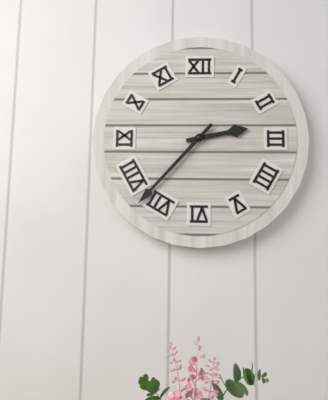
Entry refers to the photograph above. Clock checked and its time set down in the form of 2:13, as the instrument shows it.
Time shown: 2:37
